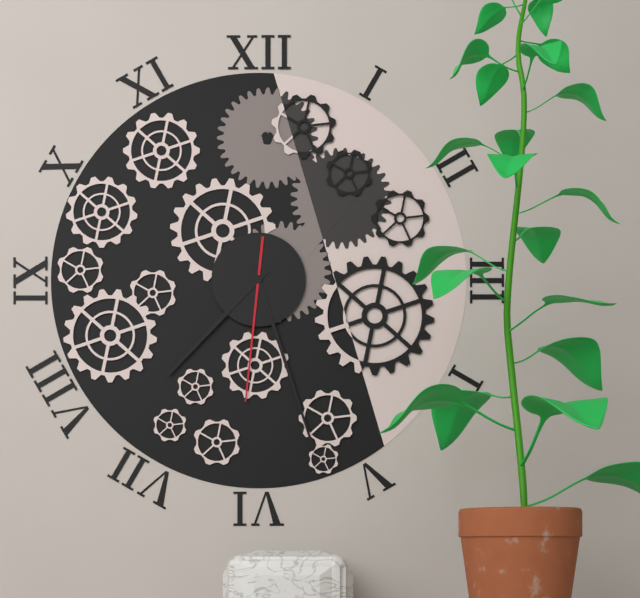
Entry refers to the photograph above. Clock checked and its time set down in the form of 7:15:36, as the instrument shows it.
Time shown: 7:27:31
